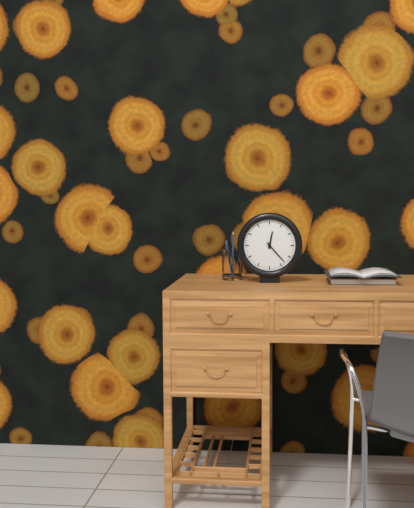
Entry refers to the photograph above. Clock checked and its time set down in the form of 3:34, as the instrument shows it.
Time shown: 12:23
